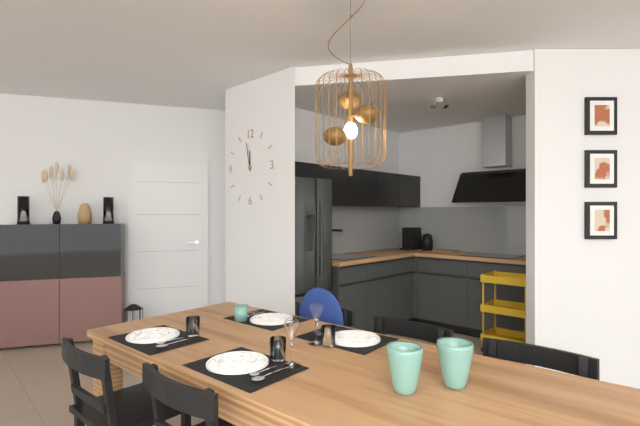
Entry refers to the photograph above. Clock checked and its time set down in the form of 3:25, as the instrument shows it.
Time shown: 11:58
